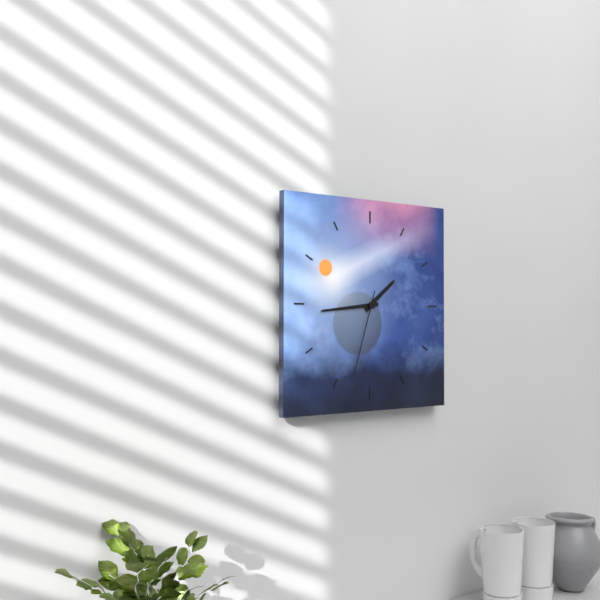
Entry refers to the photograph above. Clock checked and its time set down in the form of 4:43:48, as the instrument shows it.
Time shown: 1:44:33
